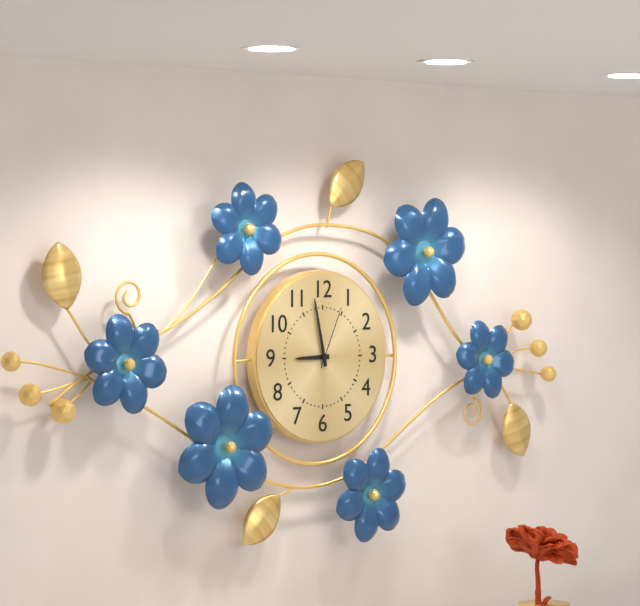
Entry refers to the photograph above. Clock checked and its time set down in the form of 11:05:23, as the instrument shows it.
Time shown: 8:58:04
